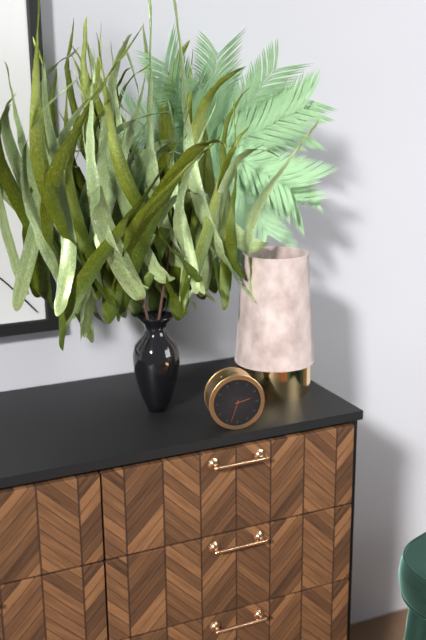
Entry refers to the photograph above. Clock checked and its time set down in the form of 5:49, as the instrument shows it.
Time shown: 2:33
